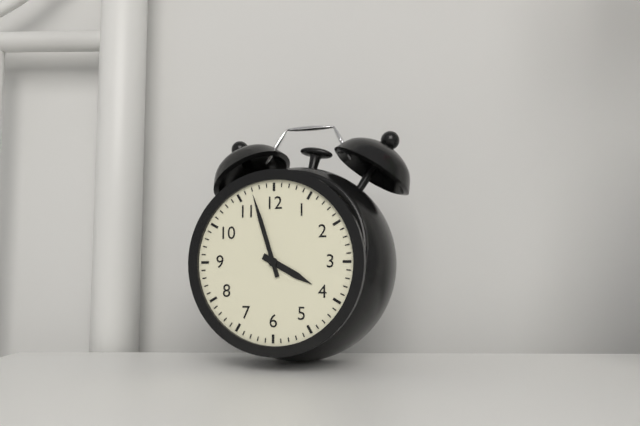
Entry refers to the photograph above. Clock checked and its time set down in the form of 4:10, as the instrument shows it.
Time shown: 3:57
